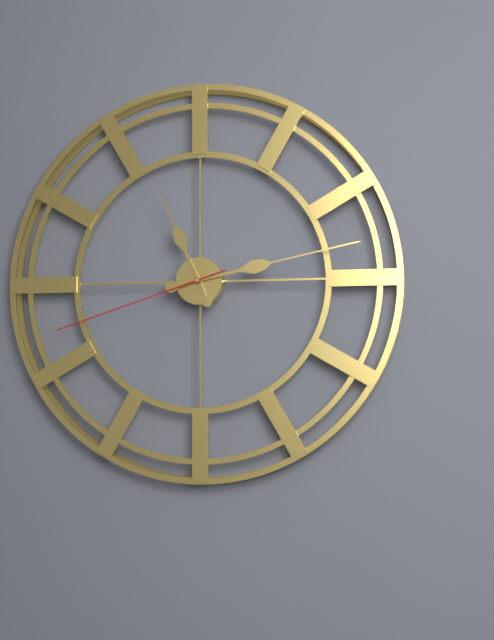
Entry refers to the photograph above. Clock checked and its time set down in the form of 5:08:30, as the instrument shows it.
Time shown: 11:13:42
